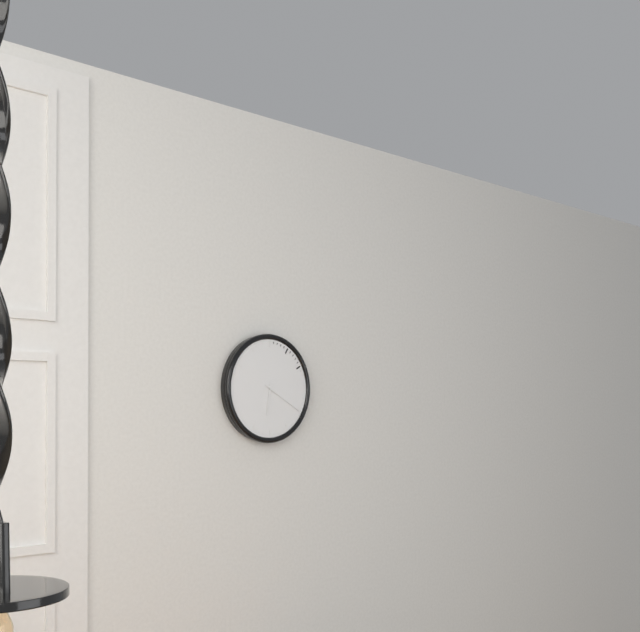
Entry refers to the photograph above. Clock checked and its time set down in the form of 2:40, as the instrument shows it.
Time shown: 6:20
